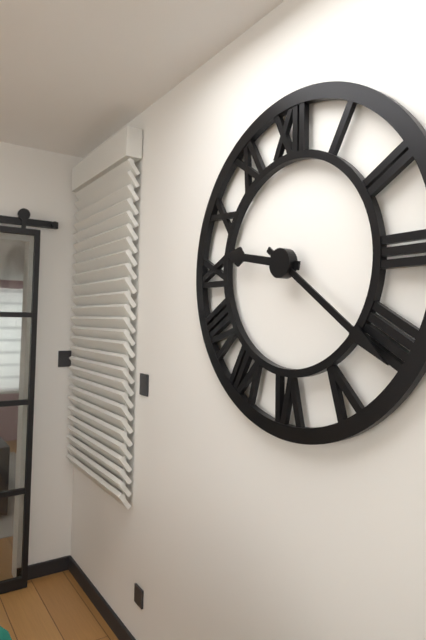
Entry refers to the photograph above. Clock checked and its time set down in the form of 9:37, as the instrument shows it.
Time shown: 9:21
